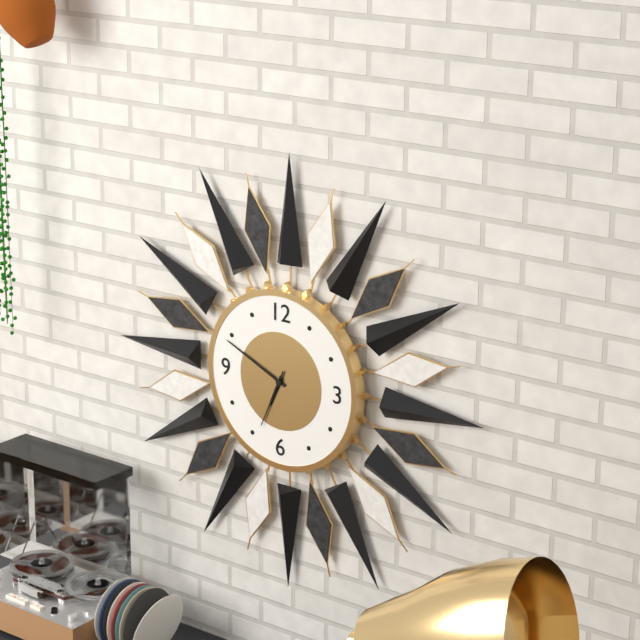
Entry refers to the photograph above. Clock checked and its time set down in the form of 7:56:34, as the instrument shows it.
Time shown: 6:49:34
